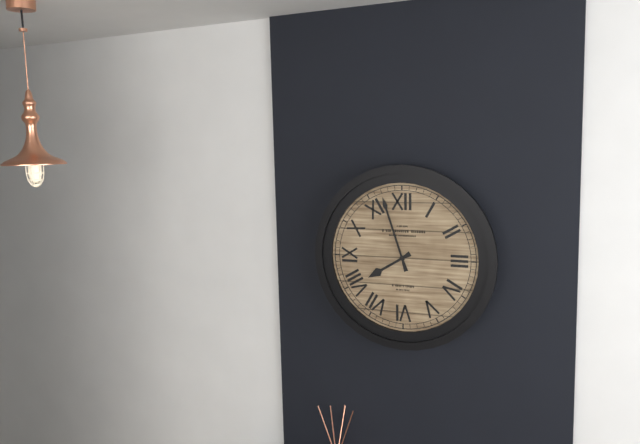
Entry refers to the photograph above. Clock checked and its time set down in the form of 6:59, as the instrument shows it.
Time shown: 7:57
